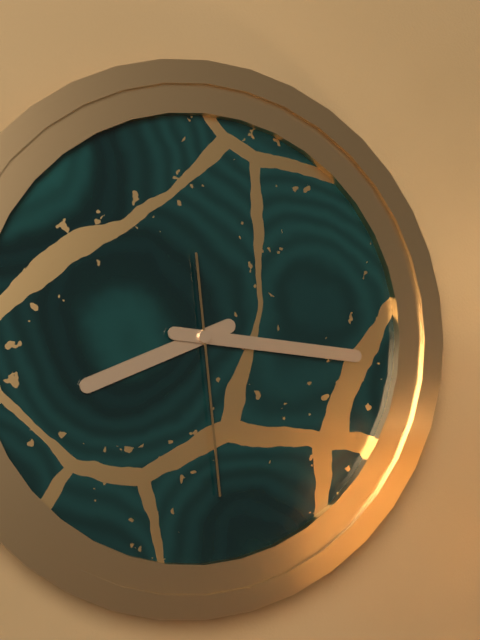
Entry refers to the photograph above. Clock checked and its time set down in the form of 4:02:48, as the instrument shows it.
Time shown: 8:16:29
